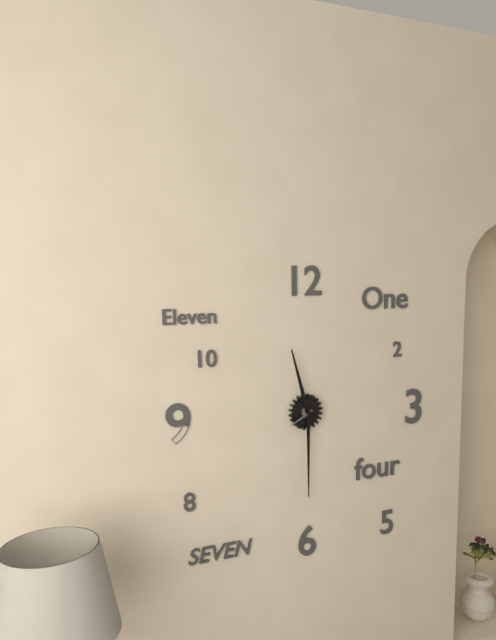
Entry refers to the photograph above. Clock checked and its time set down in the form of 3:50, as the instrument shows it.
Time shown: 11:30
